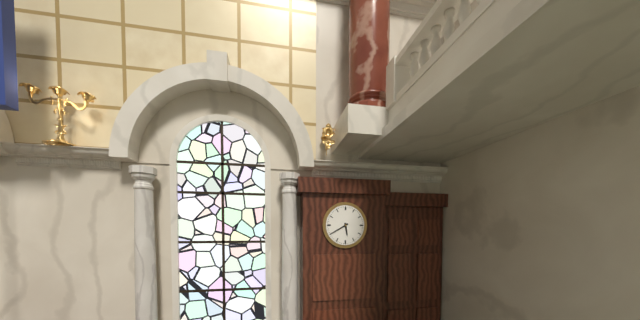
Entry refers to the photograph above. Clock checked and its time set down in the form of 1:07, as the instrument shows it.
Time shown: 5:40
